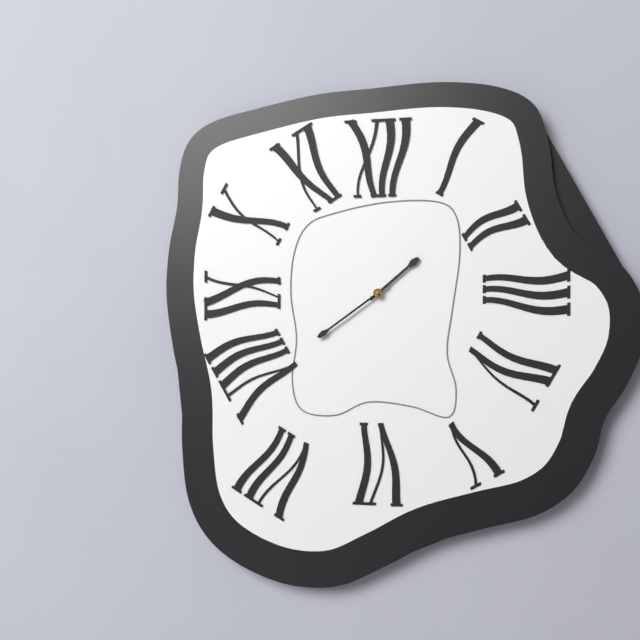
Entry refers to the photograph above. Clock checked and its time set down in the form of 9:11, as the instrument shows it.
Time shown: 1:39
